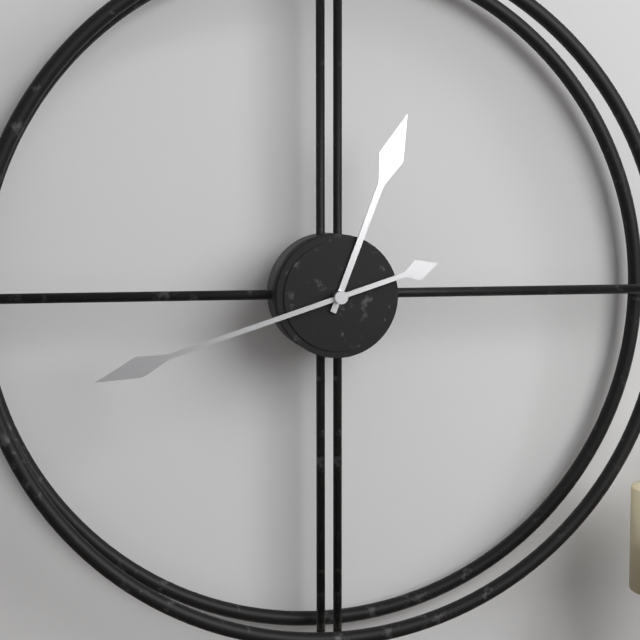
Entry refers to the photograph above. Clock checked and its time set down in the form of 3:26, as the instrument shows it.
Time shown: 12:42
